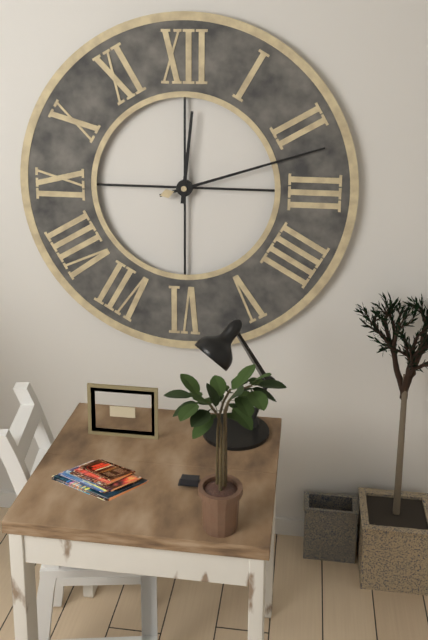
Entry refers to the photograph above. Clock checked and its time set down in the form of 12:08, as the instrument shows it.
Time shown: 12:12
